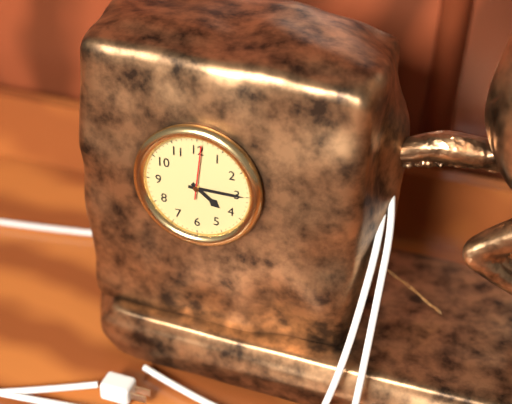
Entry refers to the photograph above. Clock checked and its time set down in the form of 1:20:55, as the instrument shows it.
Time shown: 4:15:01
